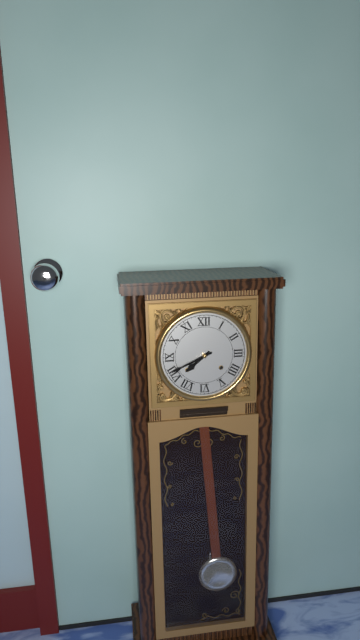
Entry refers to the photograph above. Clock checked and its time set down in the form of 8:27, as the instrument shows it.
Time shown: 7:41
